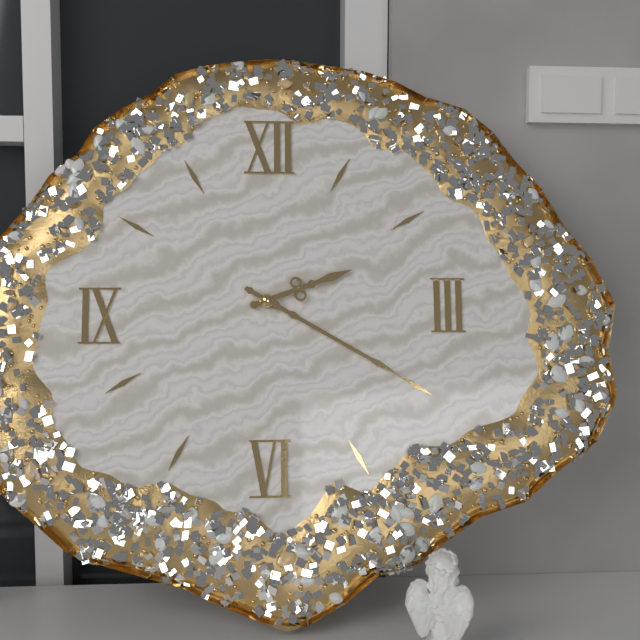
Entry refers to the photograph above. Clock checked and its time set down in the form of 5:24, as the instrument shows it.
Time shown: 2:20
